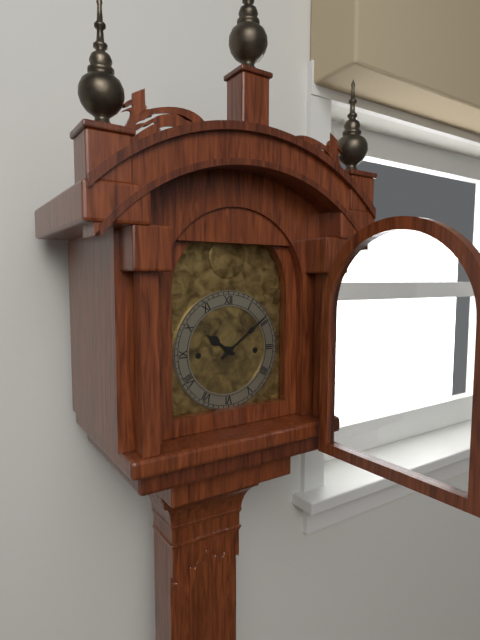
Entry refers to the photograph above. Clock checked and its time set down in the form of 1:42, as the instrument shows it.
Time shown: 10:09
